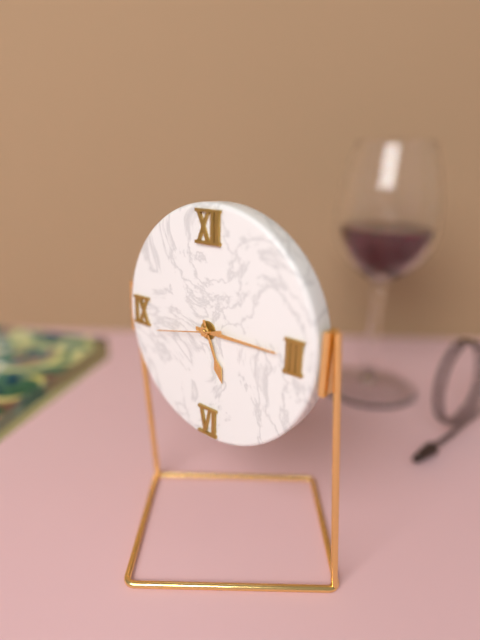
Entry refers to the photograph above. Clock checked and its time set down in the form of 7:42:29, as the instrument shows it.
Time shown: 5:15:43
